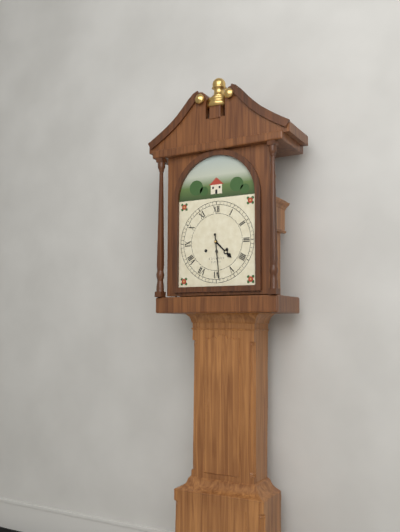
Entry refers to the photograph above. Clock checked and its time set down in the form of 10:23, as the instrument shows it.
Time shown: 4:29
